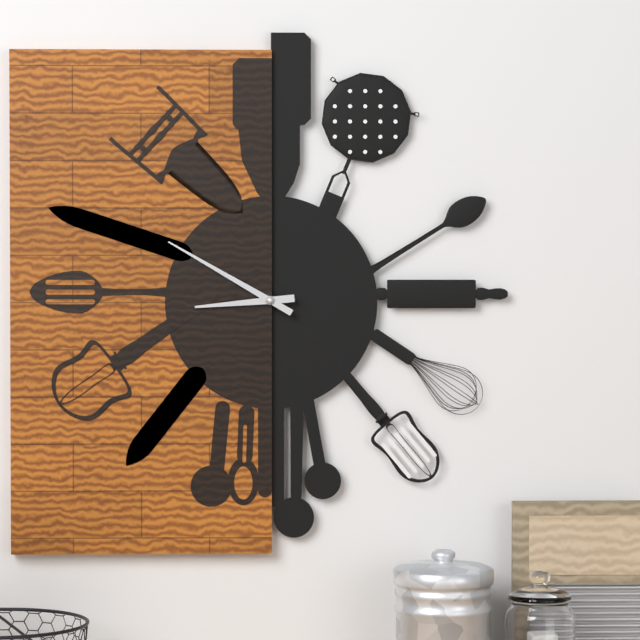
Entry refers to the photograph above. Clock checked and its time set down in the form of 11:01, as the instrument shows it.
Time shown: 8:50
